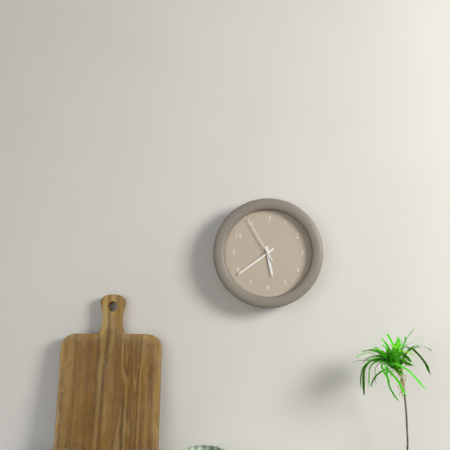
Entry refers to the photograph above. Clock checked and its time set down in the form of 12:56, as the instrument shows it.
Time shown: 5:39
